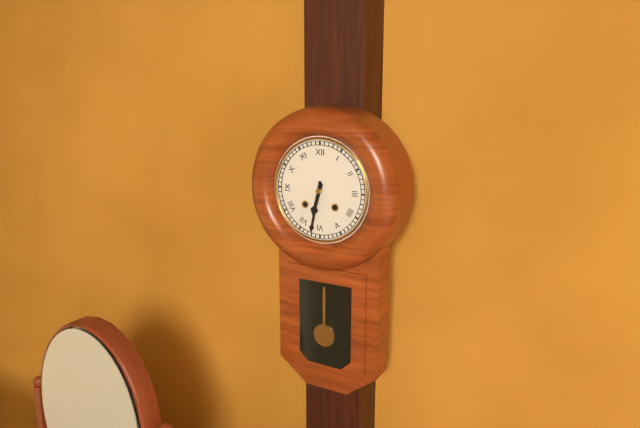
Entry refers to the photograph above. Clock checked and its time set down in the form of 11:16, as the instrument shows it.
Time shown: 6:32
